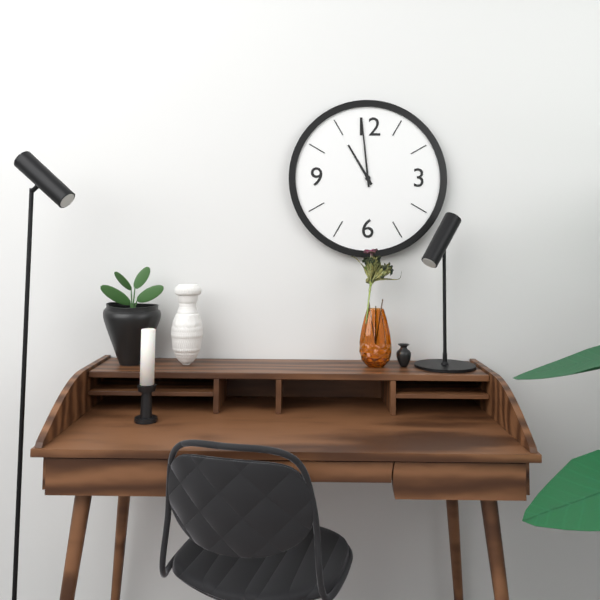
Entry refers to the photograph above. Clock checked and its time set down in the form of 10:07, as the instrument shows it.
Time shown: 10:59
